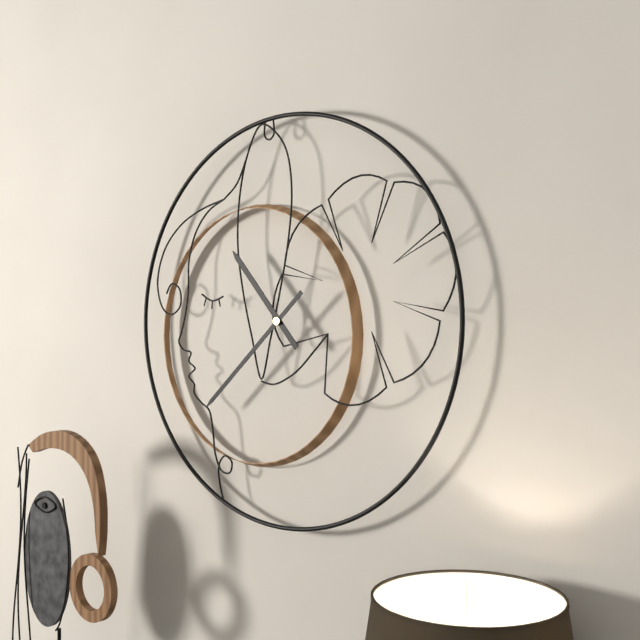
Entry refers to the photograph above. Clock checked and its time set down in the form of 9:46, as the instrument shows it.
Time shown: 10:38
